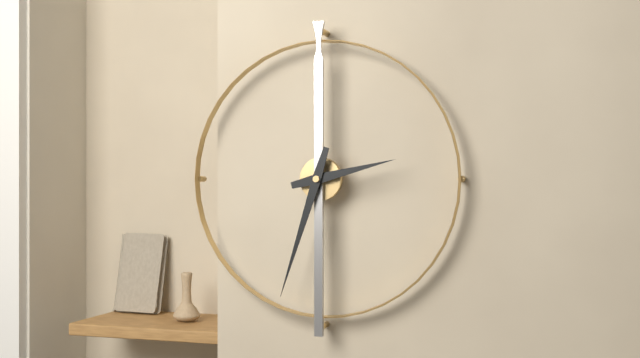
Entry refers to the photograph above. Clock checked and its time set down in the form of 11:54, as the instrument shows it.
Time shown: 2:33
